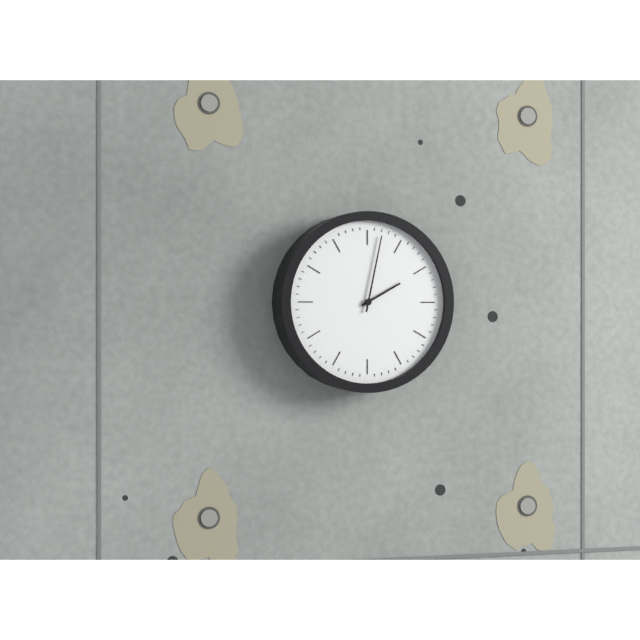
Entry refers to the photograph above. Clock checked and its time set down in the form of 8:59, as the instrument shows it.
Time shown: 2:02
